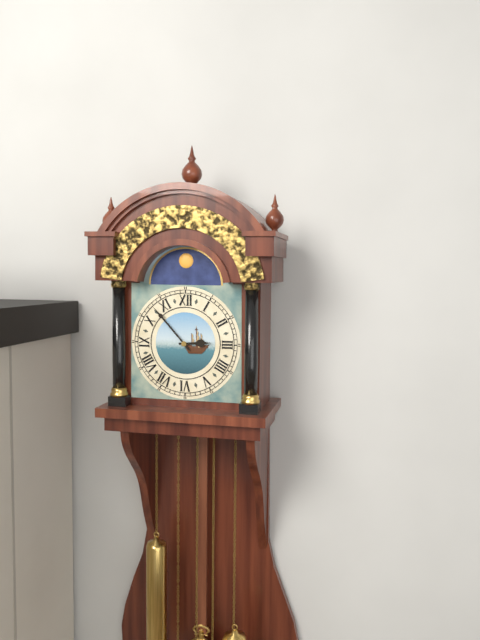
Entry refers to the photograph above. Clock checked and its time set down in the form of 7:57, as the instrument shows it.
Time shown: 2:53
